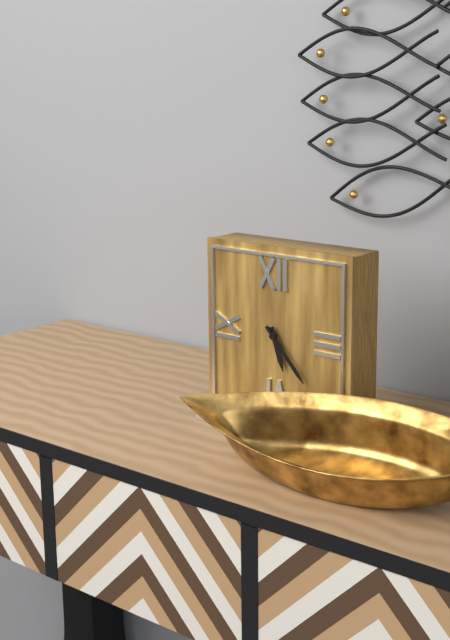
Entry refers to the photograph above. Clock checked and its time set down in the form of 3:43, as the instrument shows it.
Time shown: 5:23
